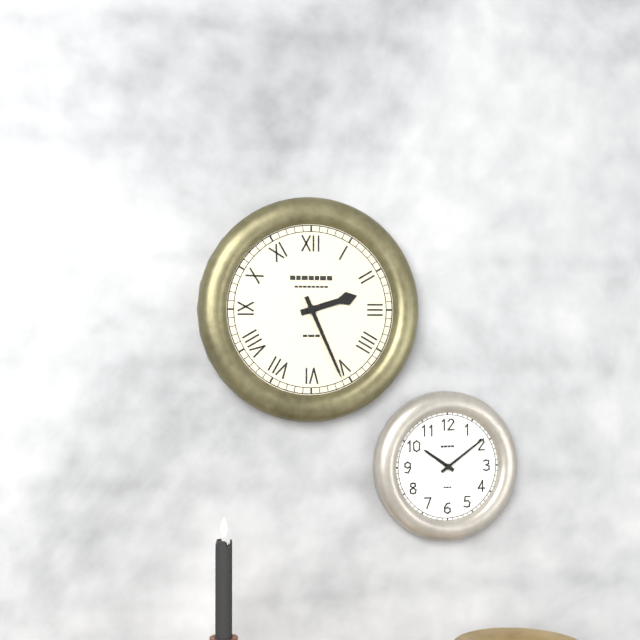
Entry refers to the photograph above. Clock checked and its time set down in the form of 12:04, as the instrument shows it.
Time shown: 2:26
